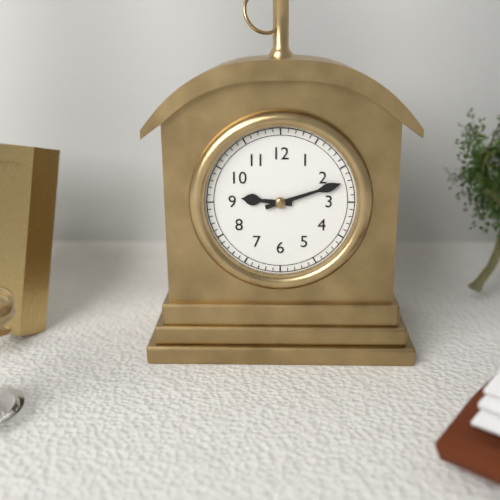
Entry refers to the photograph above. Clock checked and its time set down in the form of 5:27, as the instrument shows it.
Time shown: 9:12
